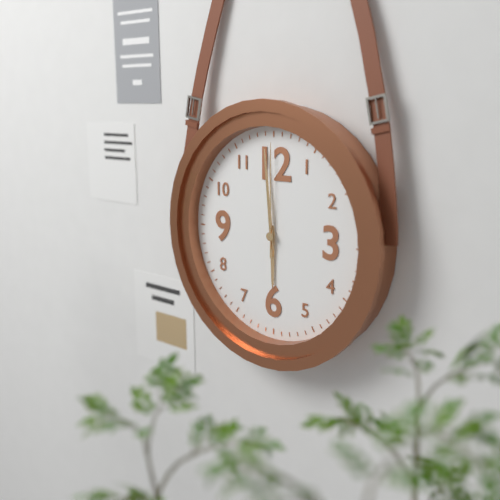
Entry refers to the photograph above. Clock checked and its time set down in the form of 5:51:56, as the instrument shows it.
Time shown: 5:59:00
